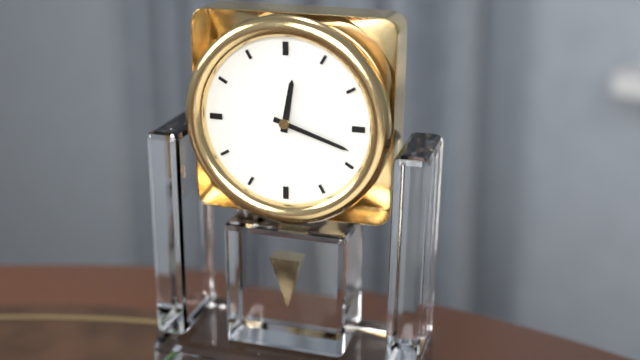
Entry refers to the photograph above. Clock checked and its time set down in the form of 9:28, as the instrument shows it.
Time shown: 12:18
